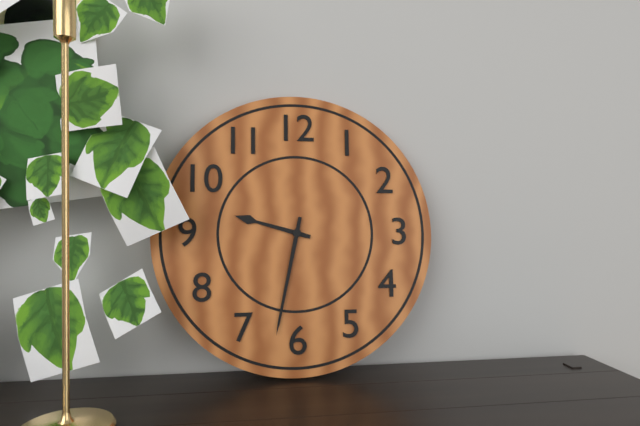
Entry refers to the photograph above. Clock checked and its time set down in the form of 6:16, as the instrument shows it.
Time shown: 9:32
